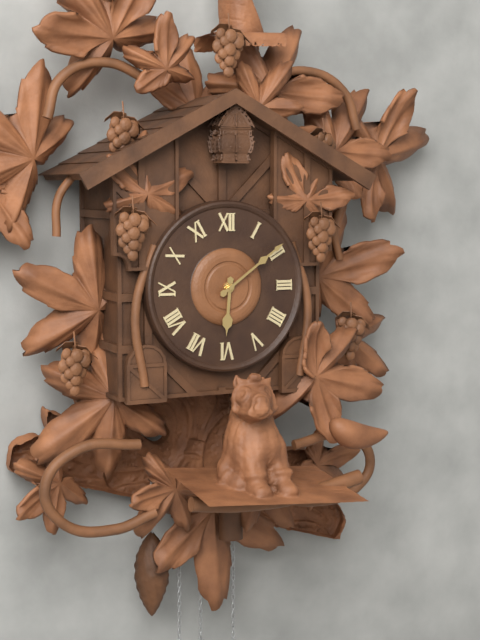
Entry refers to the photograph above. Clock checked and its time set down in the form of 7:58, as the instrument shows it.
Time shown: 6:09
